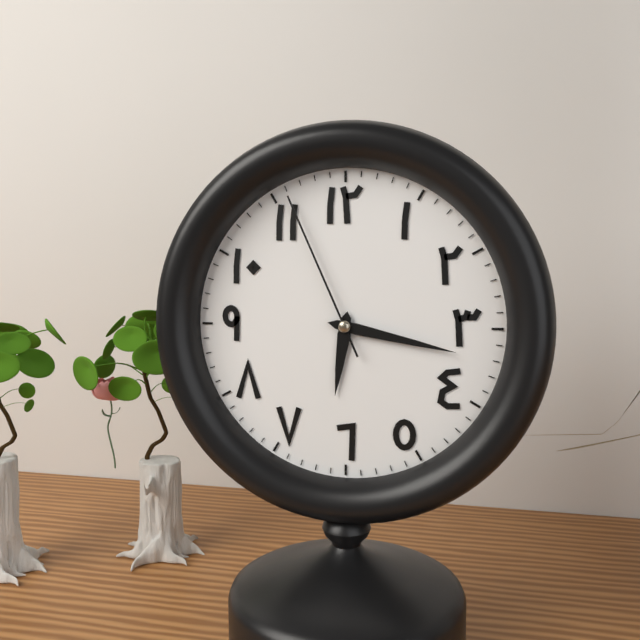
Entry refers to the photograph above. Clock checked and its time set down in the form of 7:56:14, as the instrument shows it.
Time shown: 6:17:56
